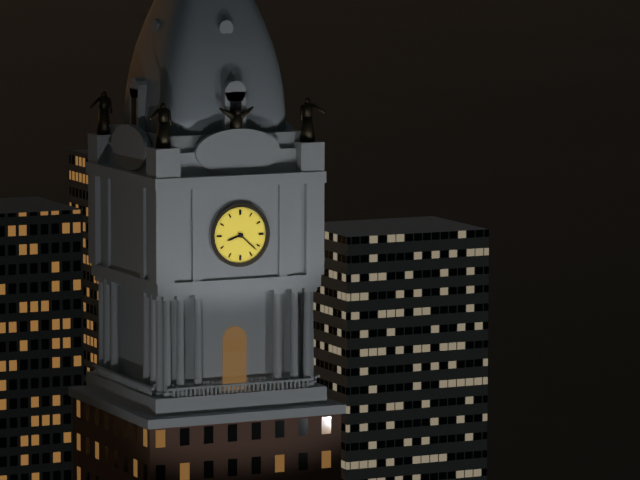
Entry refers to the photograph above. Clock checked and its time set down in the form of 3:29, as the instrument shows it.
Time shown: 8:22
